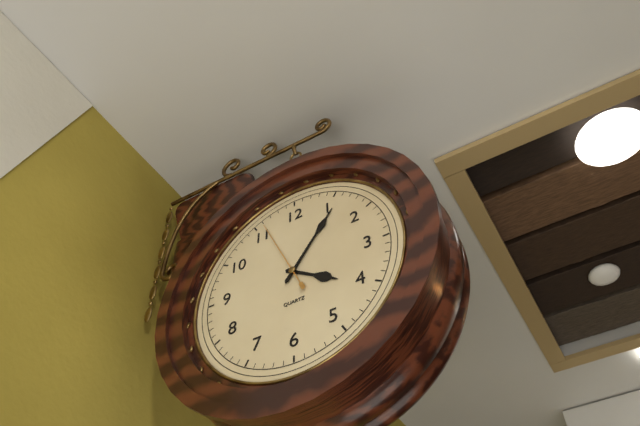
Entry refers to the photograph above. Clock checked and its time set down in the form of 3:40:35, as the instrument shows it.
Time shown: 4:06:56
